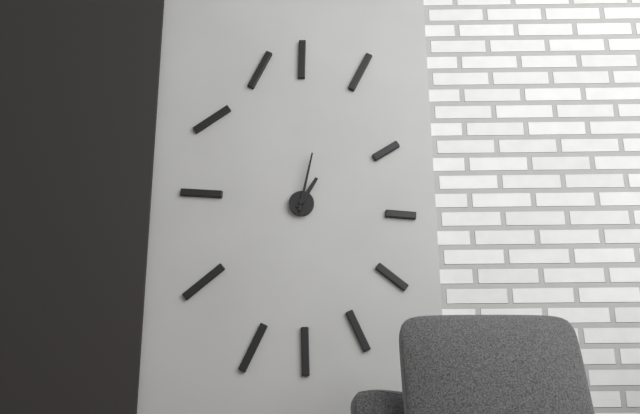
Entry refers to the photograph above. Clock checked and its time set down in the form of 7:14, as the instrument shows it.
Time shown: 1:02
